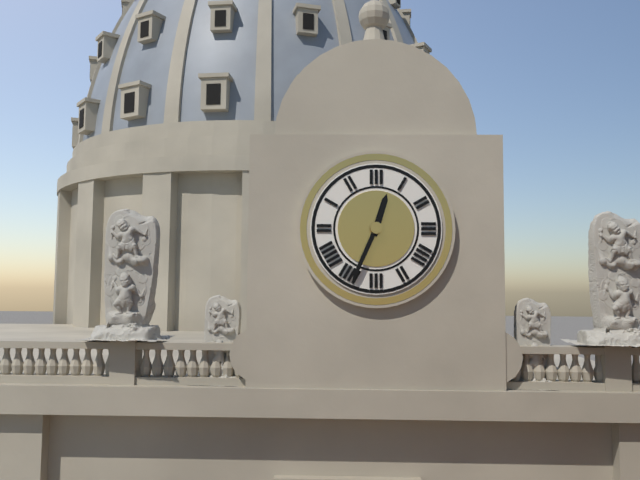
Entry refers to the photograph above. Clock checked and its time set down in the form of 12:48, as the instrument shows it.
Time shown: 12:34
